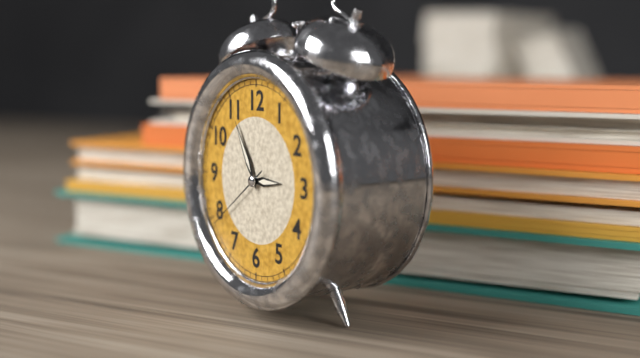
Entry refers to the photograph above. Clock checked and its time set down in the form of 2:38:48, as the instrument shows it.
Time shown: 2:55:39
